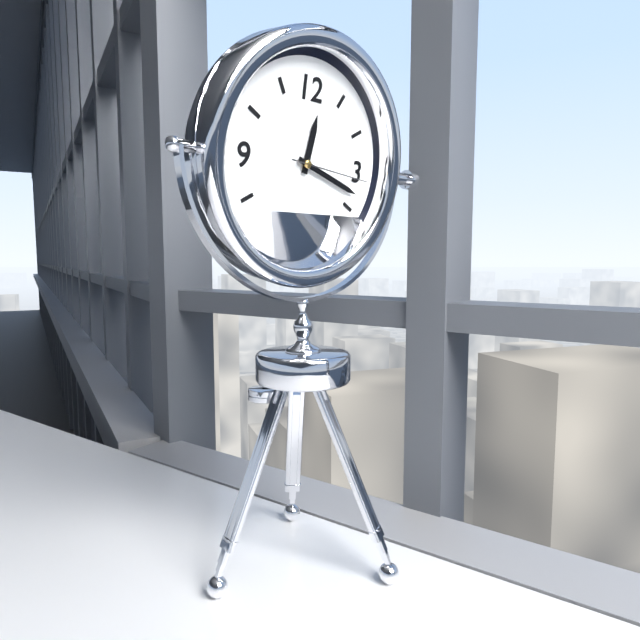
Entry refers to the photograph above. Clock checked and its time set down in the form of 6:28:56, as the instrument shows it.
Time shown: 12:18:16
